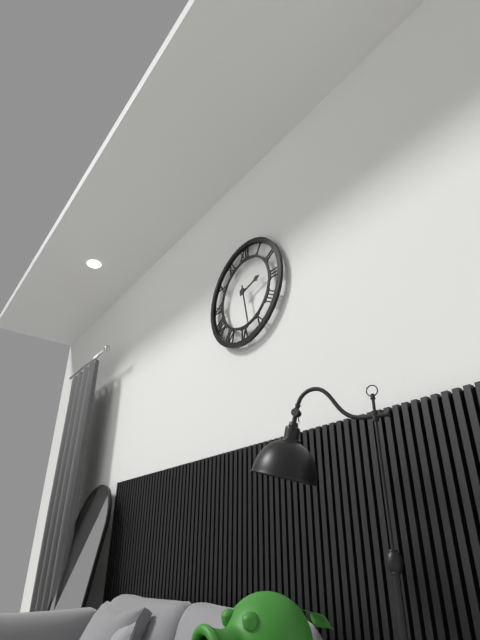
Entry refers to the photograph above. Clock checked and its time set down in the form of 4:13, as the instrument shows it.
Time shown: 2:28
